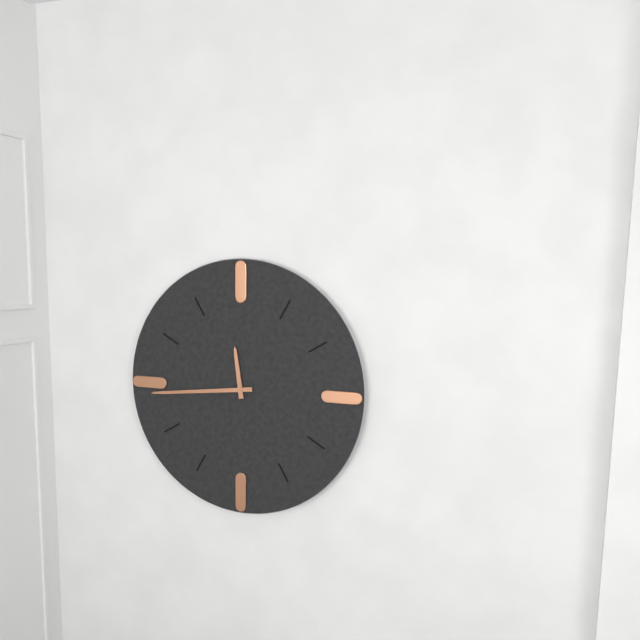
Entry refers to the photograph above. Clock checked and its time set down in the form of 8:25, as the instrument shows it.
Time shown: 11:44
